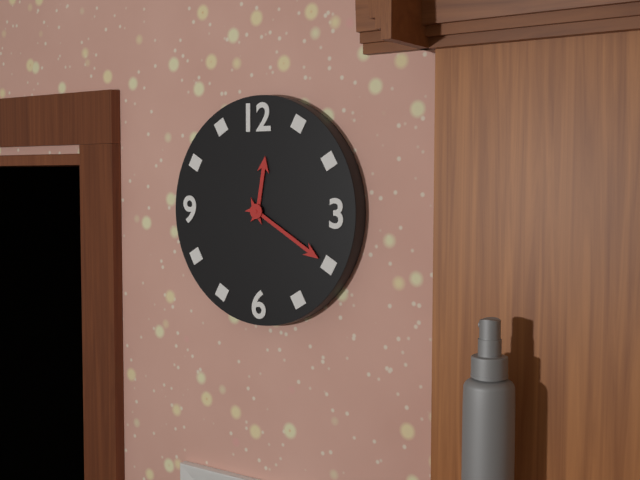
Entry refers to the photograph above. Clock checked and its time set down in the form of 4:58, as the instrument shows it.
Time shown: 12:20
